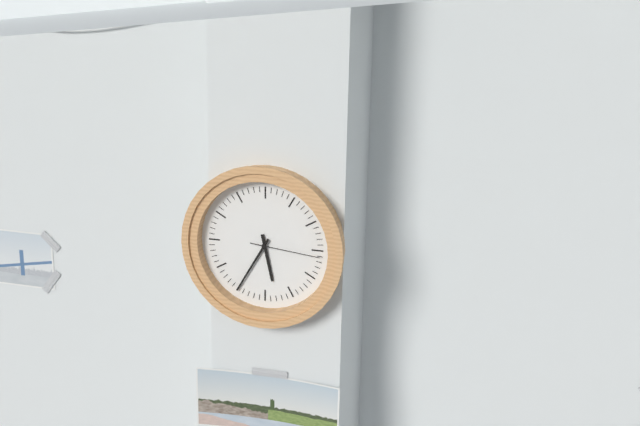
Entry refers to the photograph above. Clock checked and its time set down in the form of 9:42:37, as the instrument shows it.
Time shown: 5:35:16
